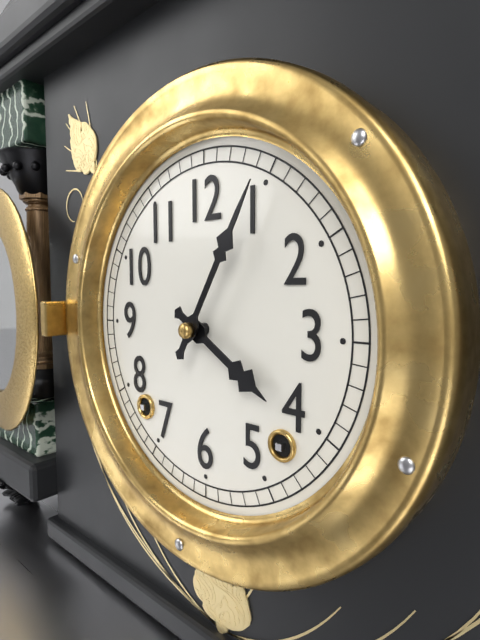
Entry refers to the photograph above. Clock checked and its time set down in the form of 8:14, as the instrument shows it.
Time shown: 4:05
